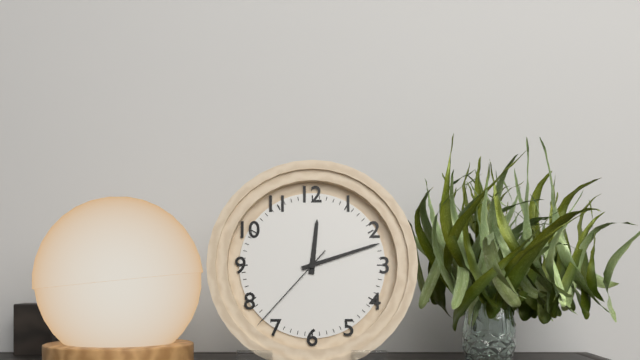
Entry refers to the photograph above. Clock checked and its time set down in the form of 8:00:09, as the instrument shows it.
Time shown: 12:12:37
